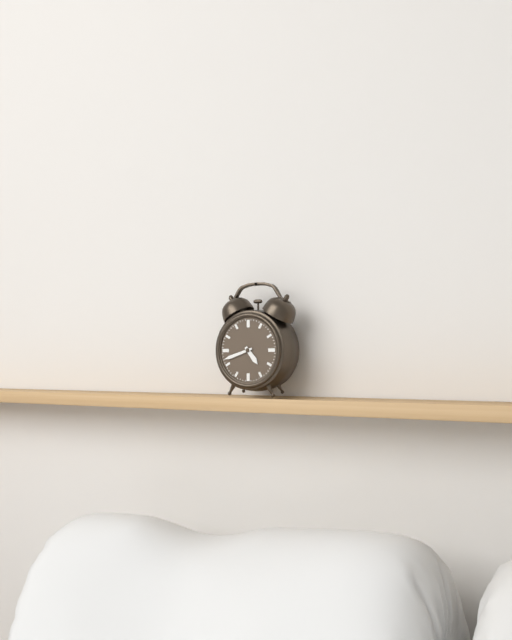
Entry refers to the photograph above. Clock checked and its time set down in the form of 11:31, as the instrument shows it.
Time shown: 4:42
